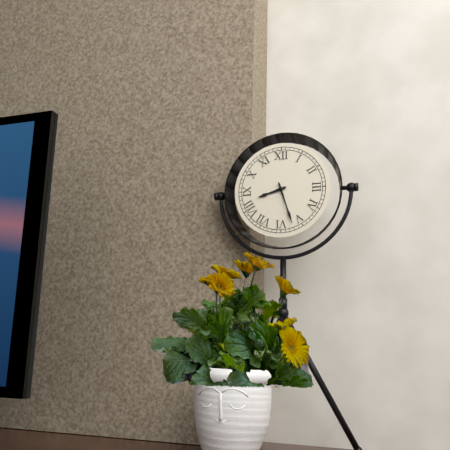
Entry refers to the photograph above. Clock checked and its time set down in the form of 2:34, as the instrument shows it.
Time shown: 8:27
